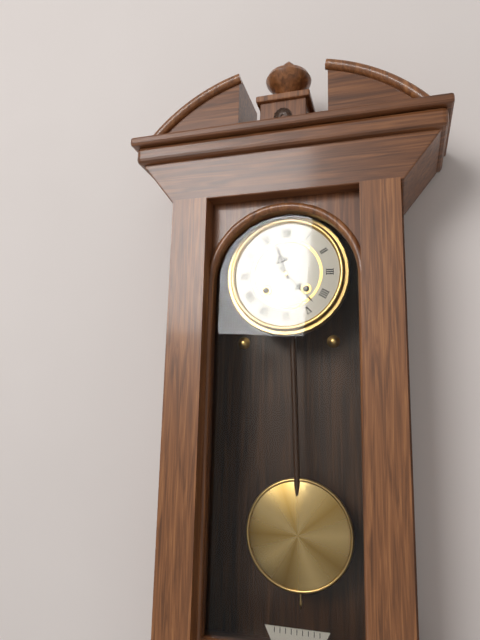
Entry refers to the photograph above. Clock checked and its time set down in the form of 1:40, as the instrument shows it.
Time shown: 11:23
